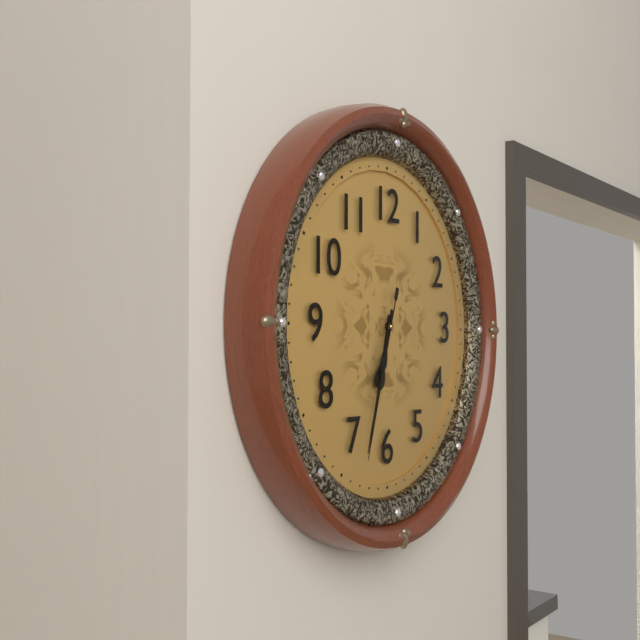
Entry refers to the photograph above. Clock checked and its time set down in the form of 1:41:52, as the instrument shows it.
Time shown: 6:33:33
